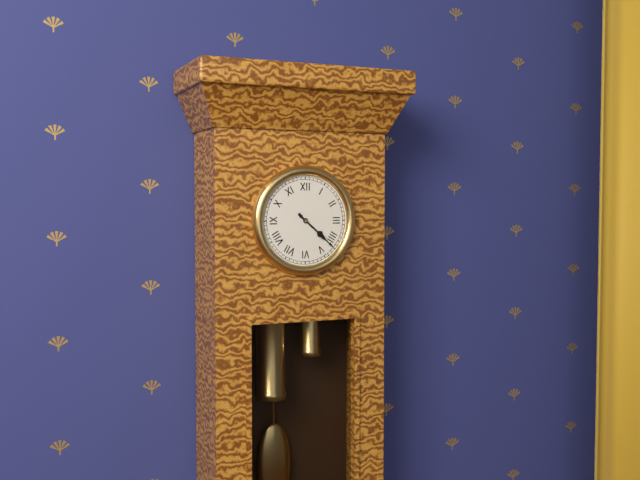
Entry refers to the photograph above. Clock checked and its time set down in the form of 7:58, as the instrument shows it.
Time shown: 4:22
